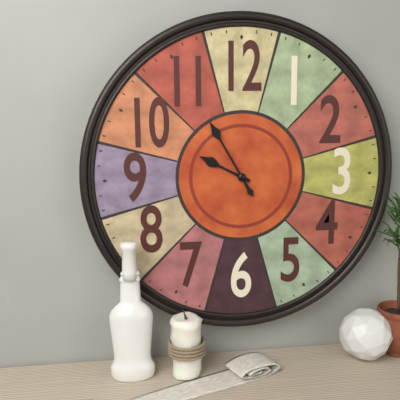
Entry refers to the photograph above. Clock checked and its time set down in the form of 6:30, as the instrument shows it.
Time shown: 9:55
